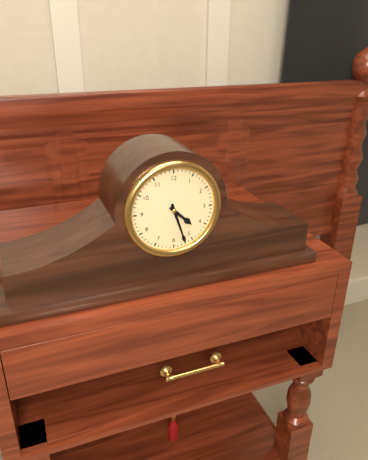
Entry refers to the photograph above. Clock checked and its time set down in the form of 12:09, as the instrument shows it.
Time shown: 4:27
